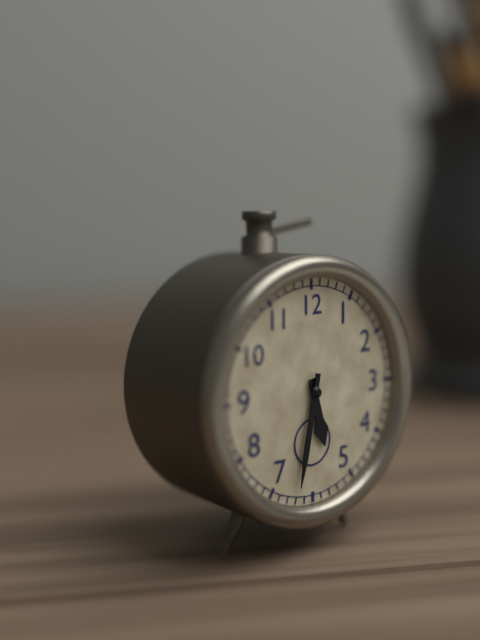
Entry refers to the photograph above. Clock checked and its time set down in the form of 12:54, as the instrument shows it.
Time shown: 5:32
